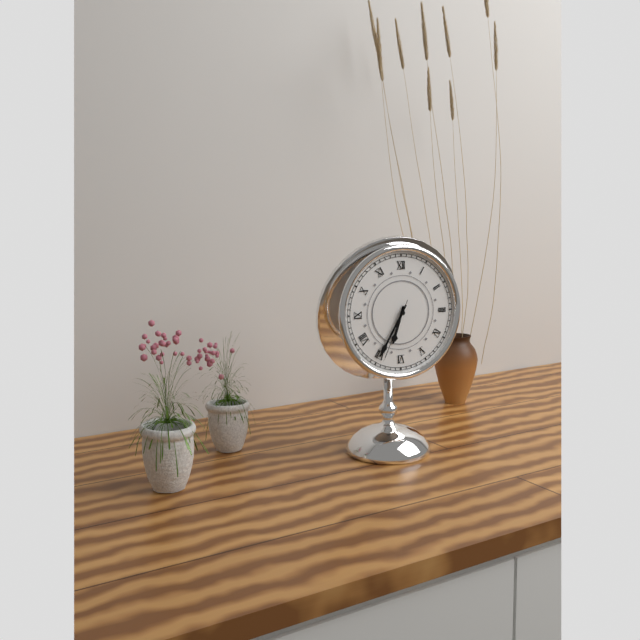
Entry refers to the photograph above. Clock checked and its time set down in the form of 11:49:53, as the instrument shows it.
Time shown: 6:35:34
